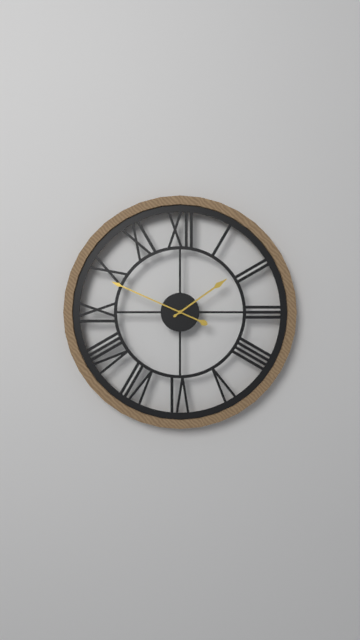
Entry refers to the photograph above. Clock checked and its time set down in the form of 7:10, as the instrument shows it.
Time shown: 1:49
